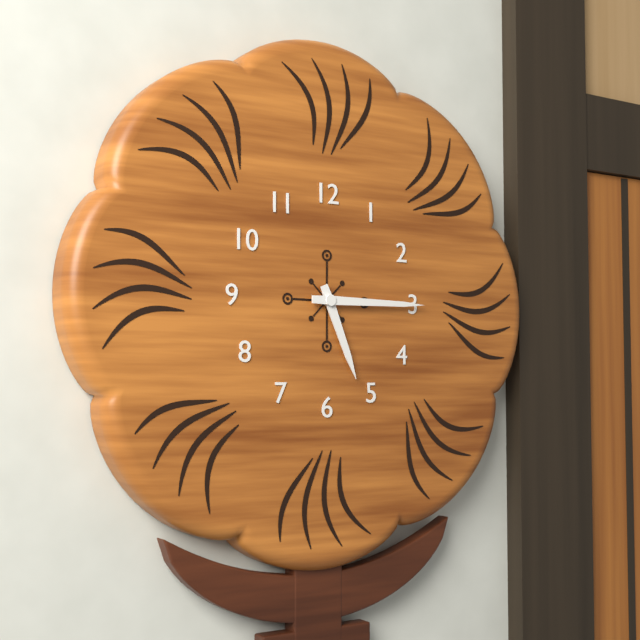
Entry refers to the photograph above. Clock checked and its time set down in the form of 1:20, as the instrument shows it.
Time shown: 5:15
